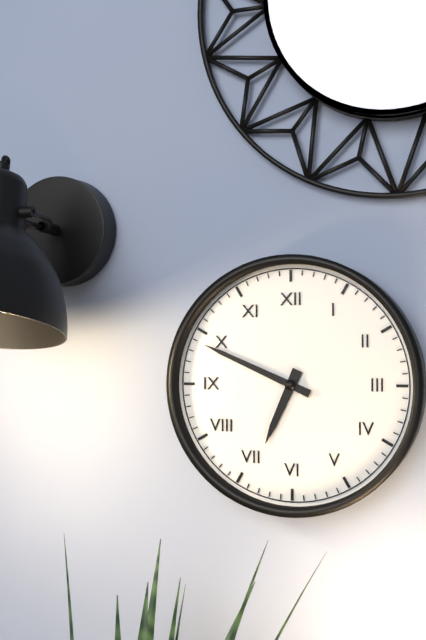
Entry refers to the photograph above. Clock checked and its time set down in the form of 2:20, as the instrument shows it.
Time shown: 6:49
